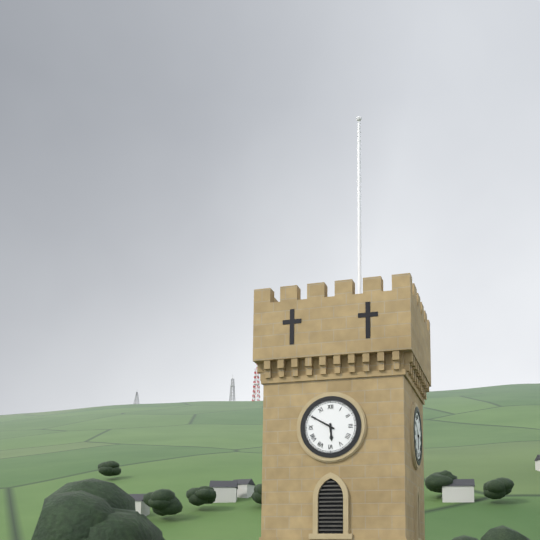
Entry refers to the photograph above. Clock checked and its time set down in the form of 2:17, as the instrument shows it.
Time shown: 5:50
